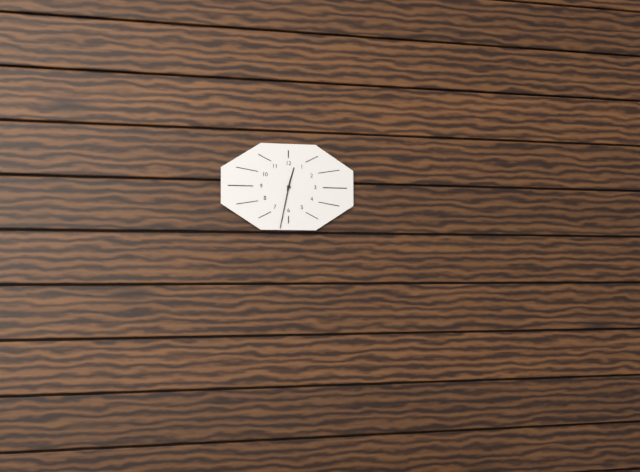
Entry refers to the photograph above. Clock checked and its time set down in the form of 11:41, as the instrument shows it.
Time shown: 12:32
